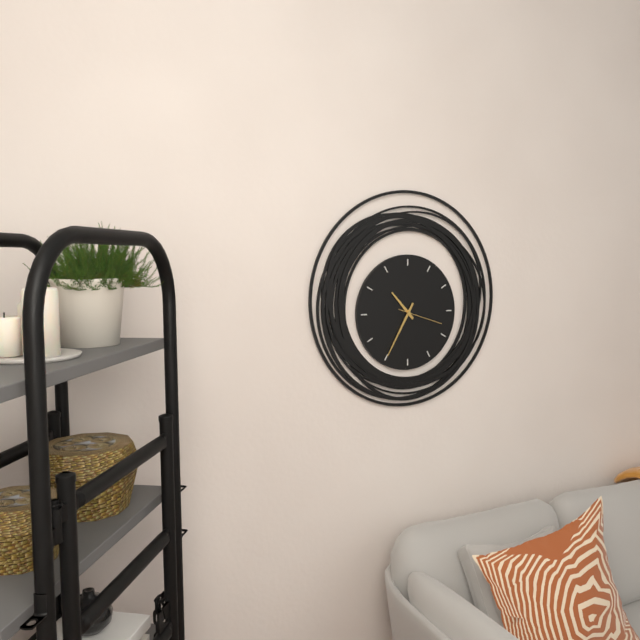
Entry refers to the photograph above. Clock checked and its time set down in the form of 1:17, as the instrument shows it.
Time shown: 10:35
